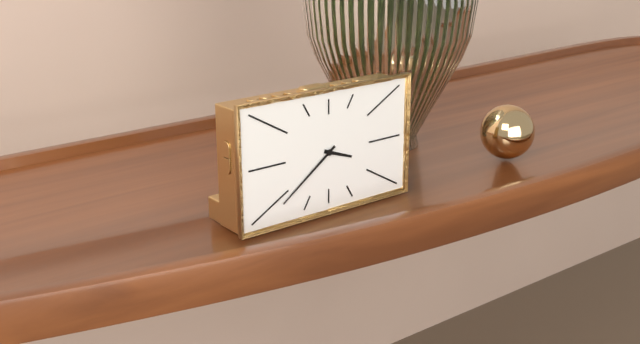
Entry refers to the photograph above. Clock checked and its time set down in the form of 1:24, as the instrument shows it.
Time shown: 3:39
